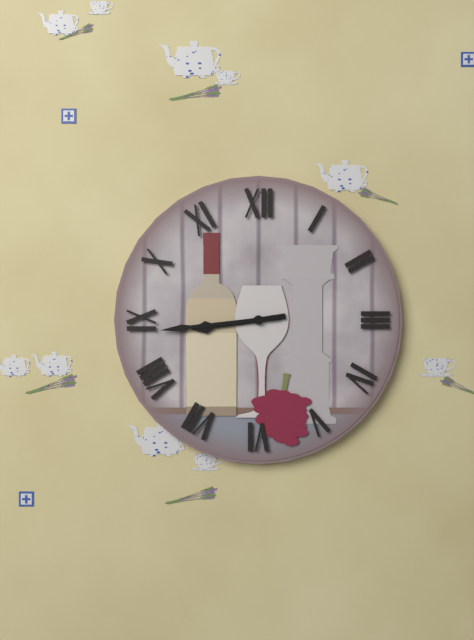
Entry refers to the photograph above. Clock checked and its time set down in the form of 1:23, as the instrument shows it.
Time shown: 8:44
